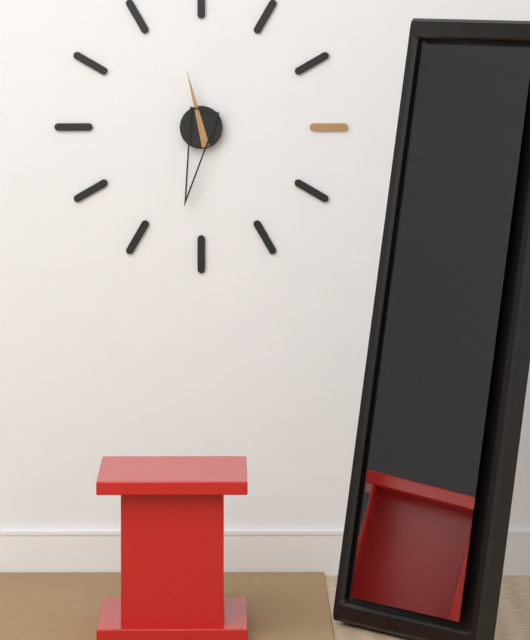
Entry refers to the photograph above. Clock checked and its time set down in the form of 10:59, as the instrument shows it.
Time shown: 11:32
